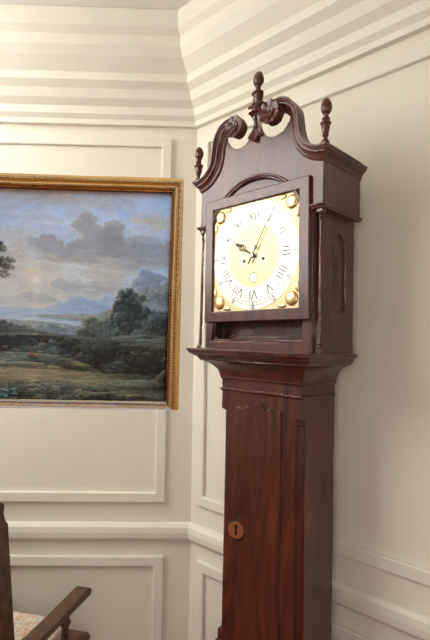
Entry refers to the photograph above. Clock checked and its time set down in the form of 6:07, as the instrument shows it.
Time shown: 10:05
